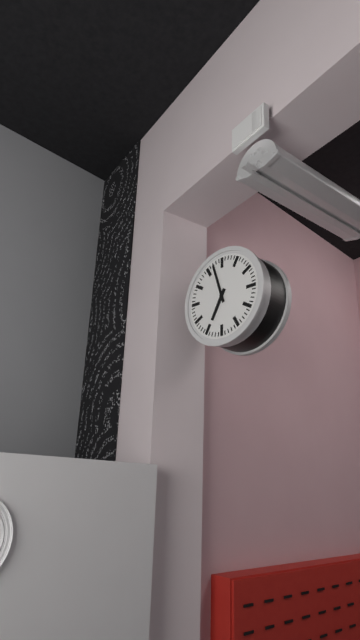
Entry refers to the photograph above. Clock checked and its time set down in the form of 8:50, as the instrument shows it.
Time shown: 6:57
